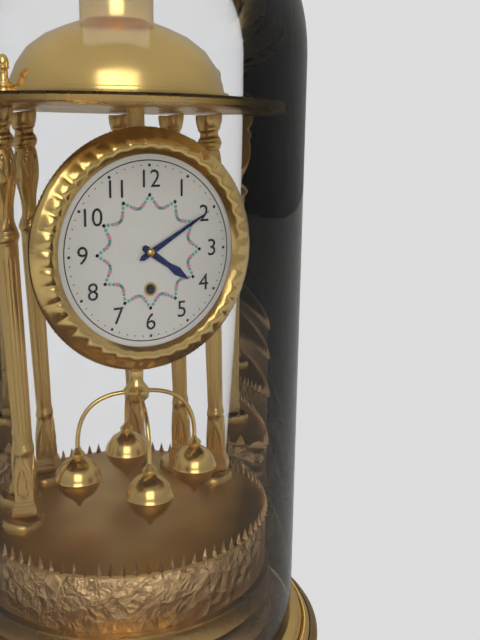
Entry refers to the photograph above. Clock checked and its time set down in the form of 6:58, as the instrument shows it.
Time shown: 4:10
